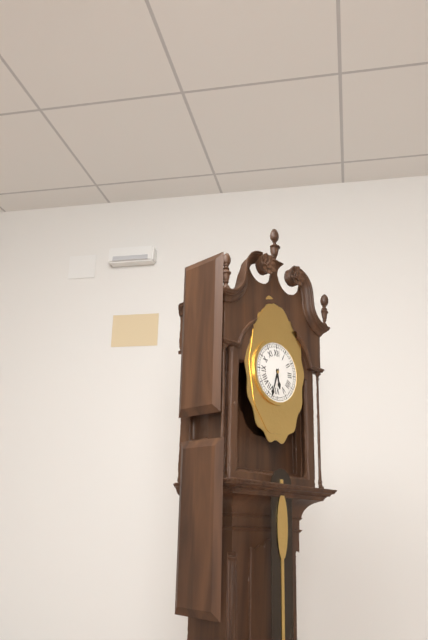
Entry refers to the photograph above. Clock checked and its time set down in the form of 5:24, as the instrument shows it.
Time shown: 5:33
